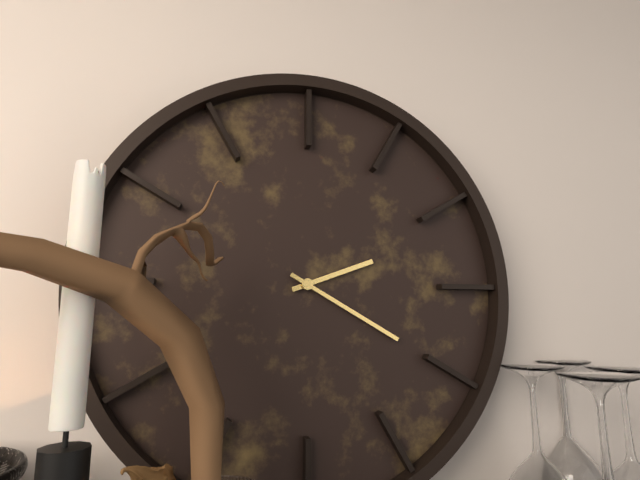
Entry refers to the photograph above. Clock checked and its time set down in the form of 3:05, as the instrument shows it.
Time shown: 2:20
